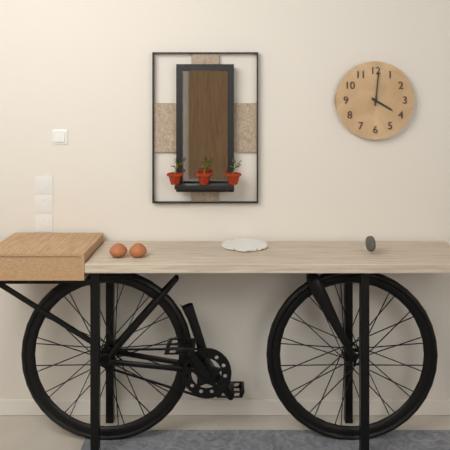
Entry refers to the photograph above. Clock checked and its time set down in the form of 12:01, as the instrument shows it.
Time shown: 4:01
